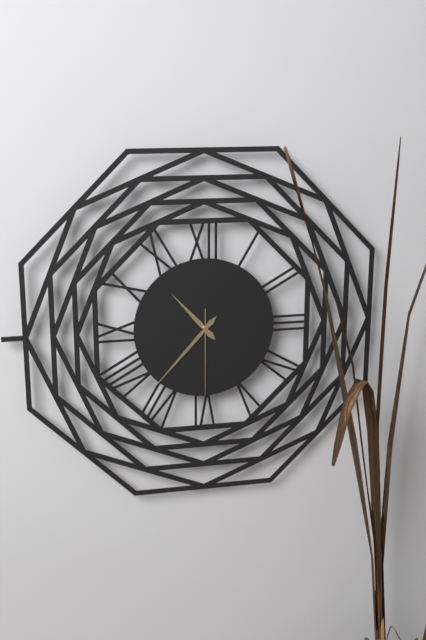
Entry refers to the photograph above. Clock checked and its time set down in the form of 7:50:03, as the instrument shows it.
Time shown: 10:37:30
